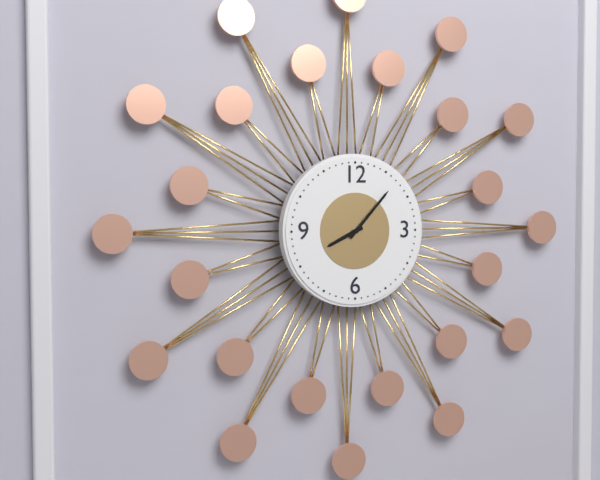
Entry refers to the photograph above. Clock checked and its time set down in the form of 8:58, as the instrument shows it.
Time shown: 8:07
